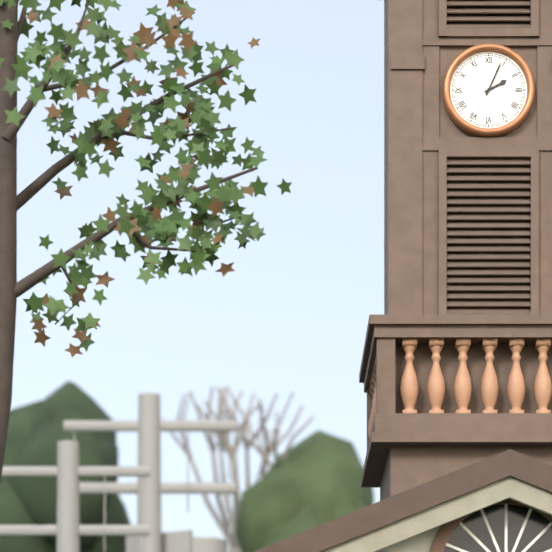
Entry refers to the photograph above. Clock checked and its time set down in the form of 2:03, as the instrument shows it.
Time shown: 2:04
